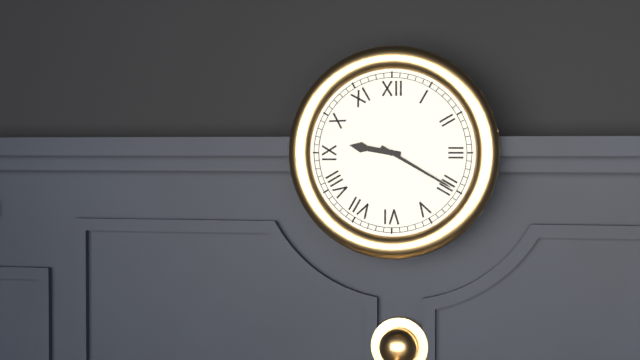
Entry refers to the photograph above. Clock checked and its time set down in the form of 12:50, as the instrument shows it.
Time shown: 9:20
